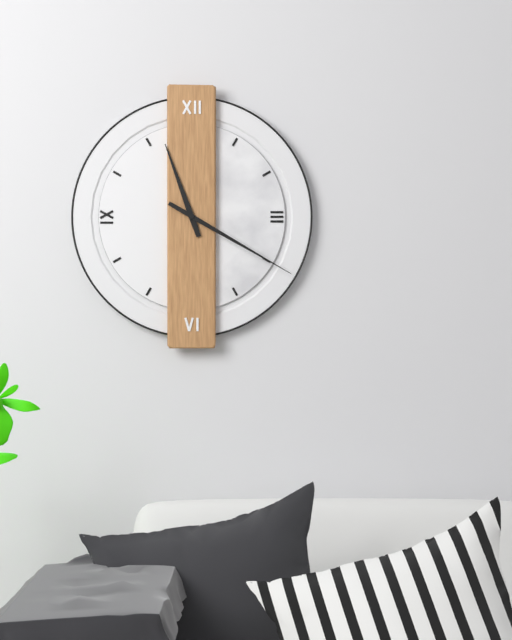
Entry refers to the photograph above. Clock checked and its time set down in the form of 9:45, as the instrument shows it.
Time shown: 11:20
